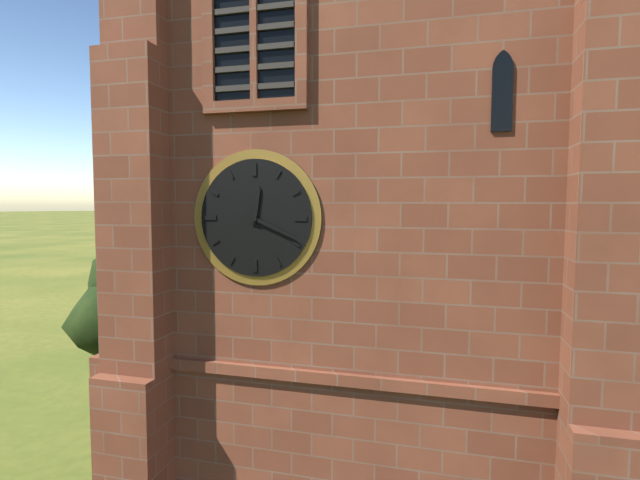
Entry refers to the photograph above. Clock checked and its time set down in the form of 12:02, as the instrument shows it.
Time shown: 12:19
